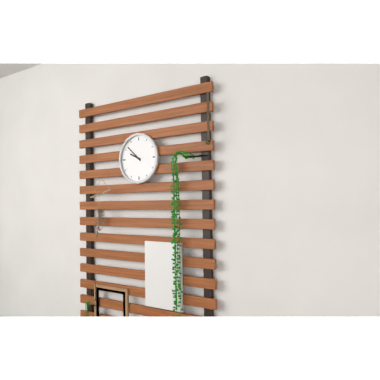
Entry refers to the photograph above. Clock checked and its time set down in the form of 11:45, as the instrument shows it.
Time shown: 9:52
